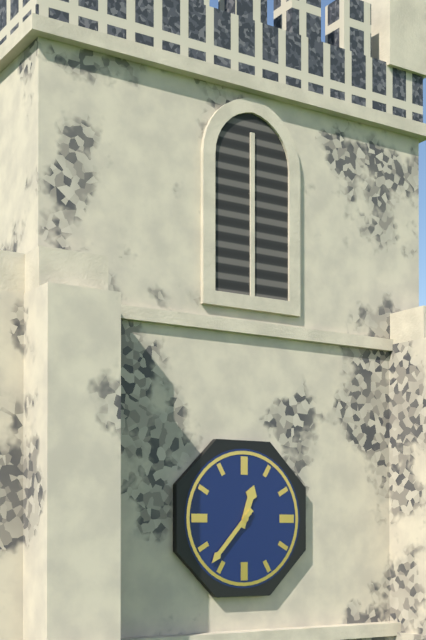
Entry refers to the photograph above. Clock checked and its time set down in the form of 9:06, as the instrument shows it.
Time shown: 12:37
